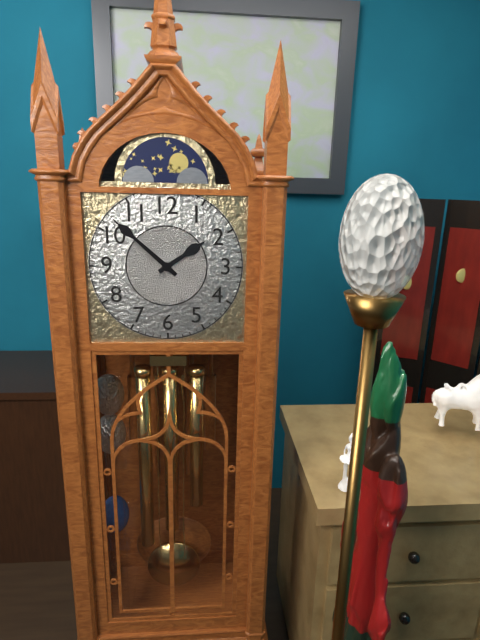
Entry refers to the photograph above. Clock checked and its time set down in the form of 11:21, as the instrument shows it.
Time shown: 1:52
